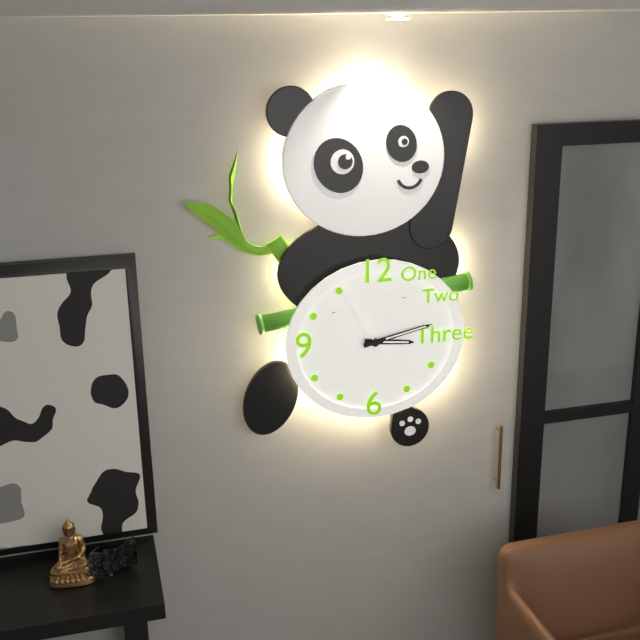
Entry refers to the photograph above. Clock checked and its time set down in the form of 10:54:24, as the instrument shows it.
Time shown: 3:13:55
